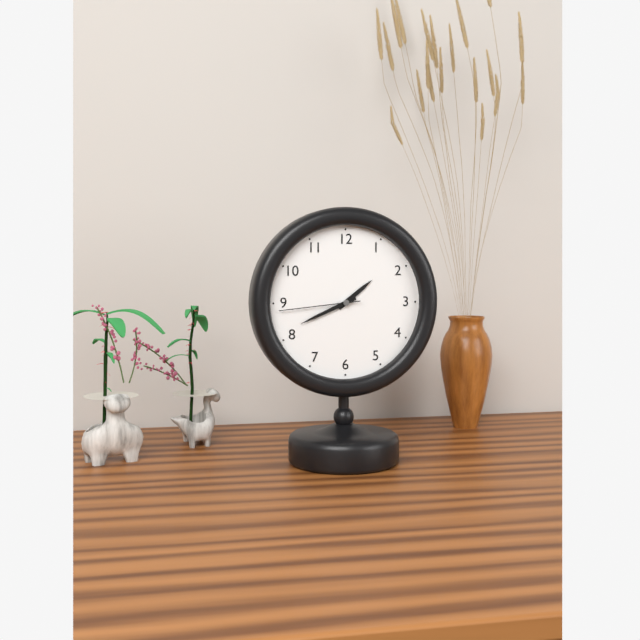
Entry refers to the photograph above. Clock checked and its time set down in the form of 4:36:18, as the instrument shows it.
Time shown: 1:41:44
